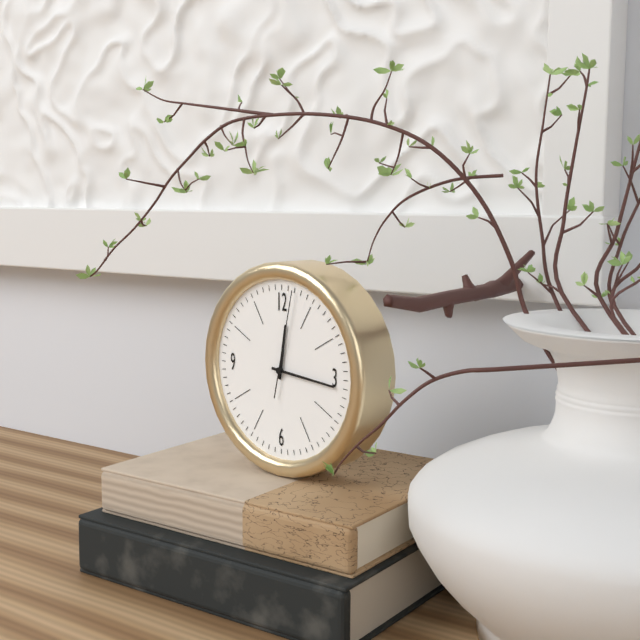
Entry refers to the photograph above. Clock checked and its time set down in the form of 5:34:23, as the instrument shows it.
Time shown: 12:16:02
